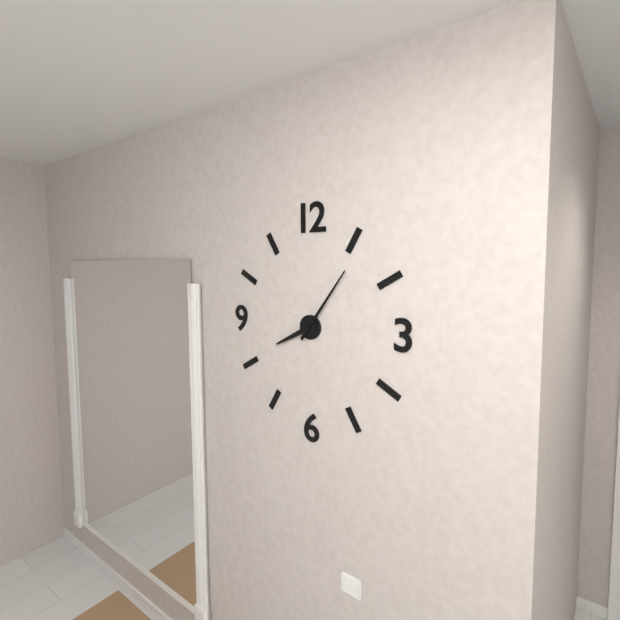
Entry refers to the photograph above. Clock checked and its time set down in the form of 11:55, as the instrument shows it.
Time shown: 8:06
